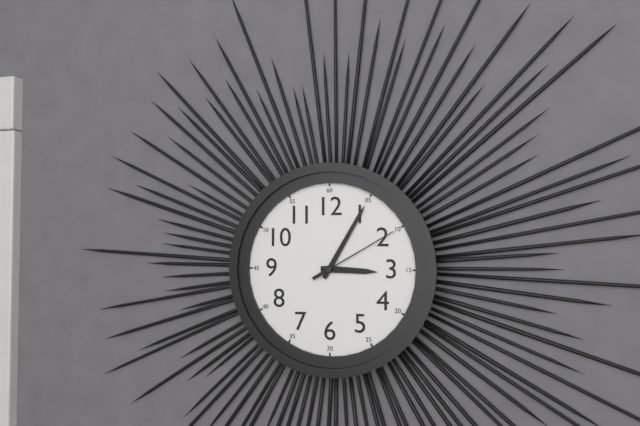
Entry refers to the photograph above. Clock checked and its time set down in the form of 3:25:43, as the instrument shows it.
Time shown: 3:05:10
